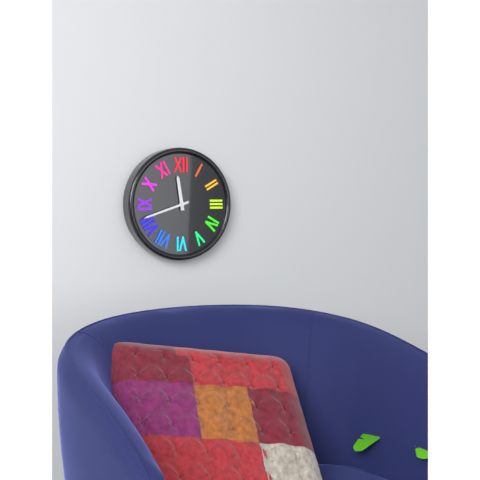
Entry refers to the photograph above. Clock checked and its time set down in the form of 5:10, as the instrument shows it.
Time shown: 11:42
